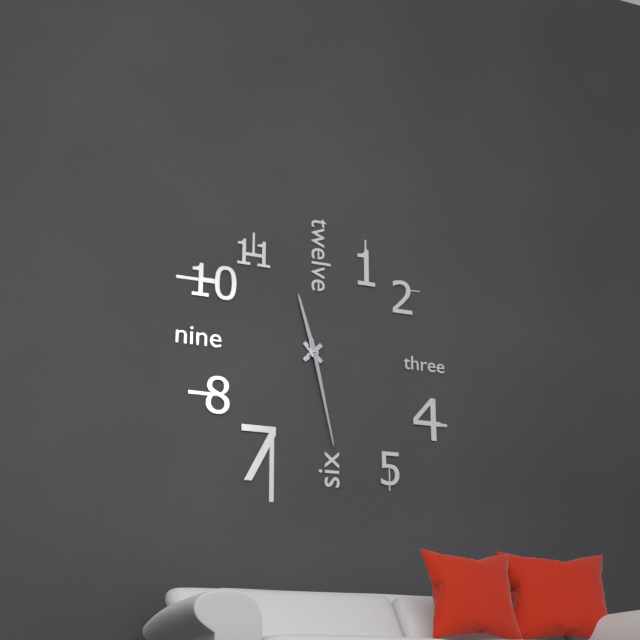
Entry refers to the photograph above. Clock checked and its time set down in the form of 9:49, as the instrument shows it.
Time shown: 11:28
